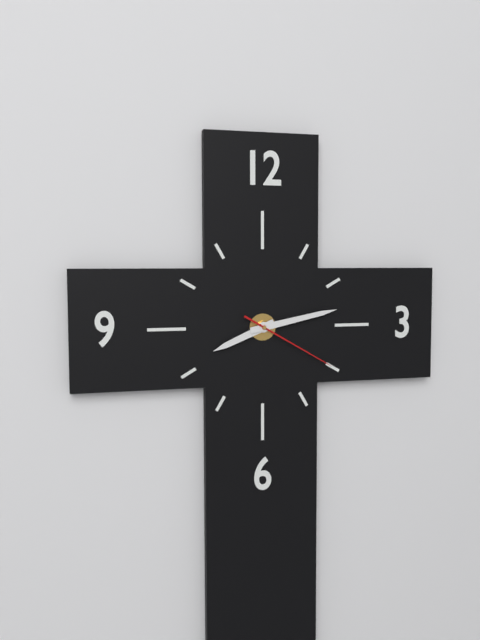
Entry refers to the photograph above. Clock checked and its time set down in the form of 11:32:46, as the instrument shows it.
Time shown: 8:13:20
